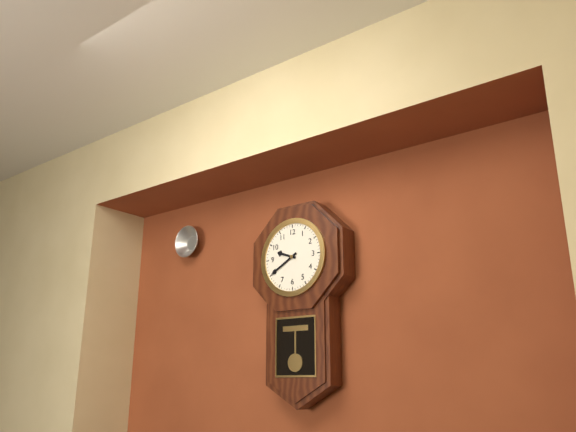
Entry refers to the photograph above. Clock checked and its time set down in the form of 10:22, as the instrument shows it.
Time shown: 9:40
